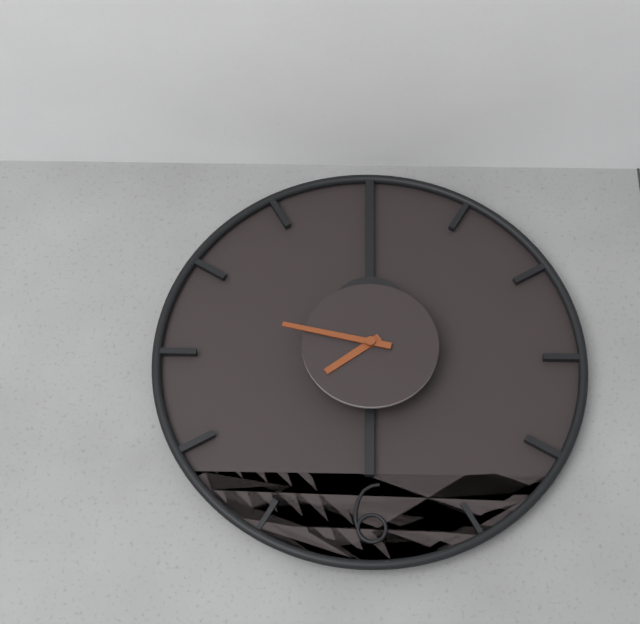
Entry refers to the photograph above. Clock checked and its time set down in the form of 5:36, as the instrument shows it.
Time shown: 7:47
